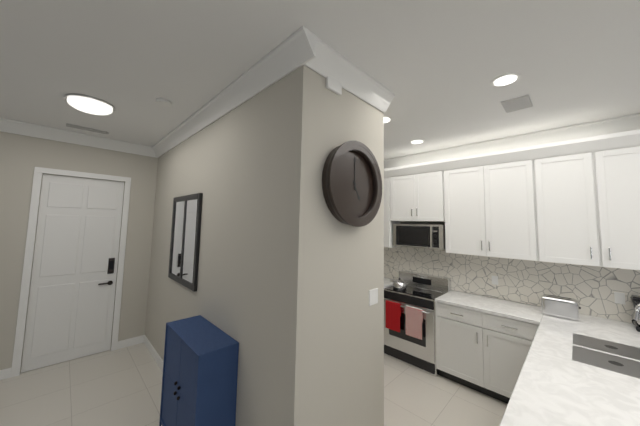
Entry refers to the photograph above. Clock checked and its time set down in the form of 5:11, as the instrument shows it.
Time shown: 5:00
